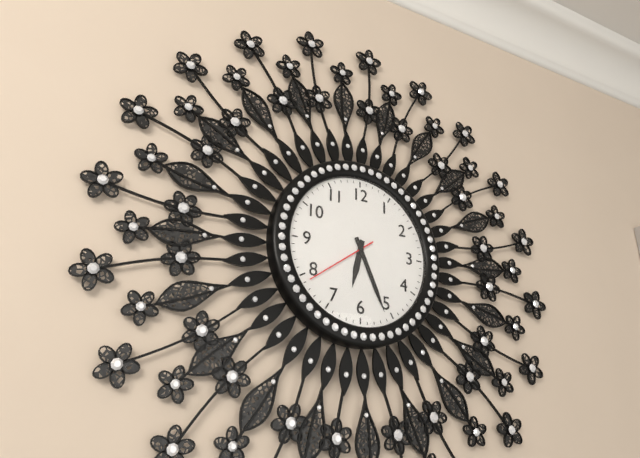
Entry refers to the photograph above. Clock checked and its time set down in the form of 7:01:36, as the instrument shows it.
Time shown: 6:26:39
